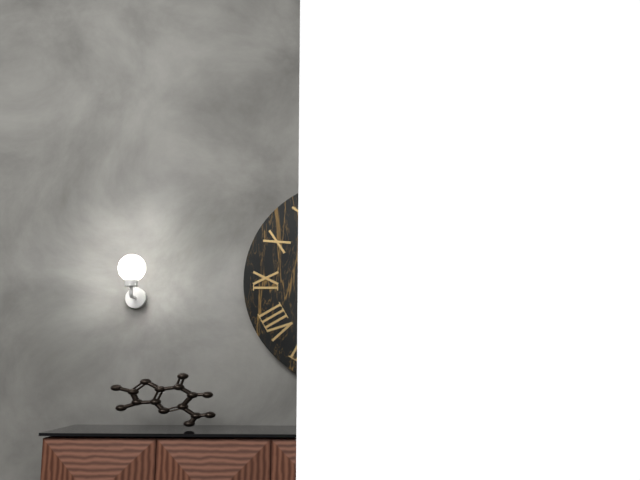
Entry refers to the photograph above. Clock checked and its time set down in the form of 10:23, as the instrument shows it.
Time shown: 8:26
